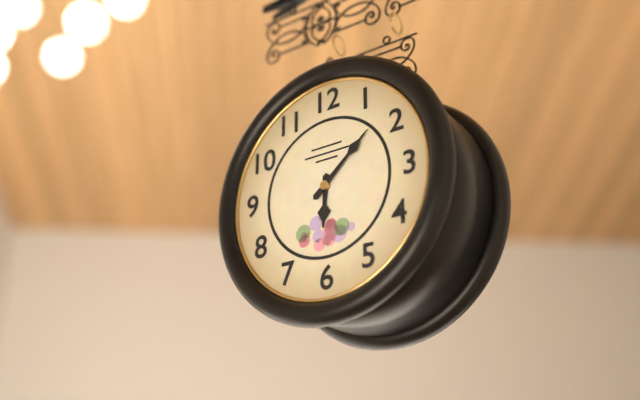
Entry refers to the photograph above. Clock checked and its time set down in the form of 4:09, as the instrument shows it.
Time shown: 6:08
